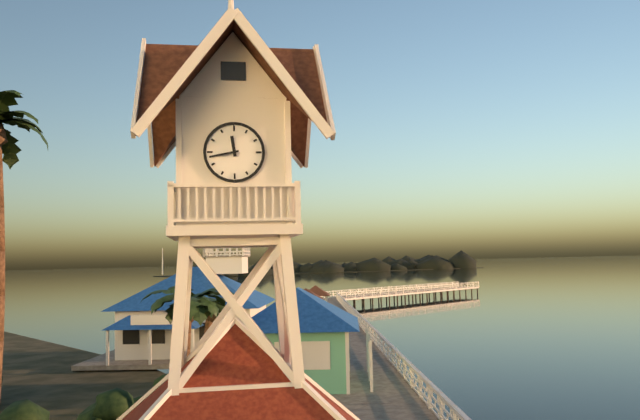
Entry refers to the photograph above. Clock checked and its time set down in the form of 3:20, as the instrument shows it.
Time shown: 11:43
